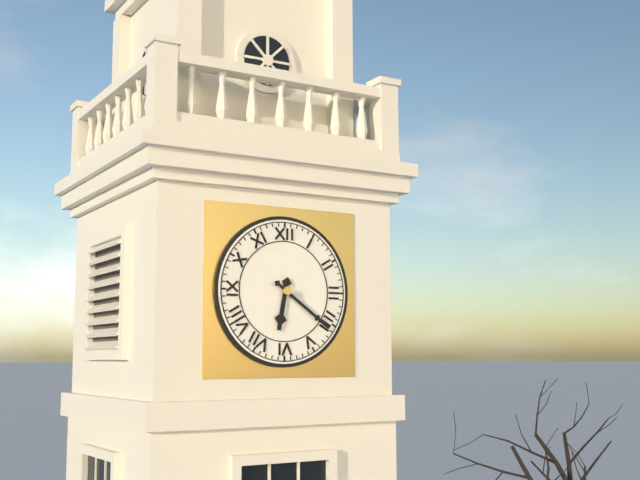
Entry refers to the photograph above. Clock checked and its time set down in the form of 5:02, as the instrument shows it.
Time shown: 6:21
